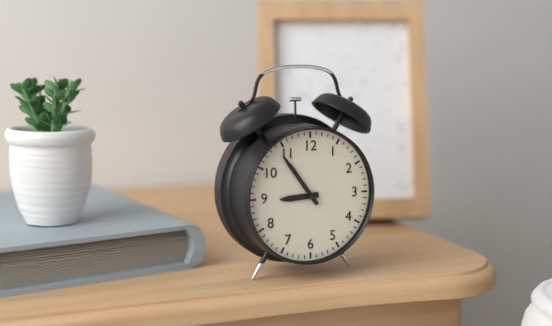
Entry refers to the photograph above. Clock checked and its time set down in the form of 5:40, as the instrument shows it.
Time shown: 8:54
